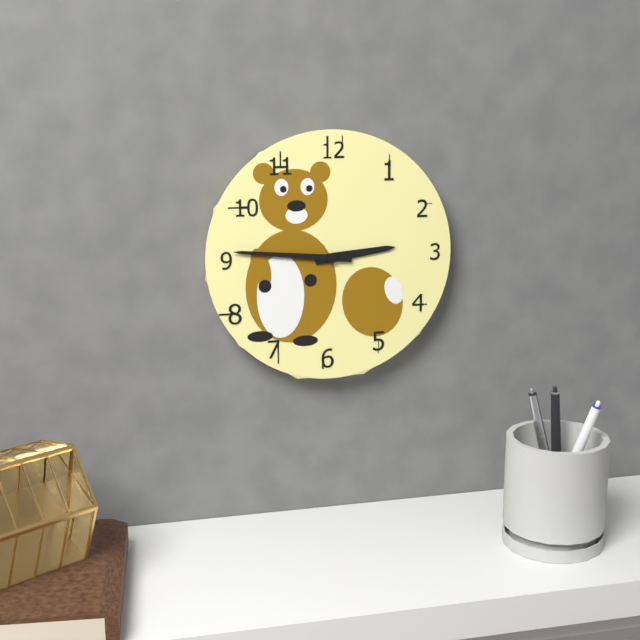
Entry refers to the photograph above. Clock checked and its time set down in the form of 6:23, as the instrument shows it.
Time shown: 2:46
